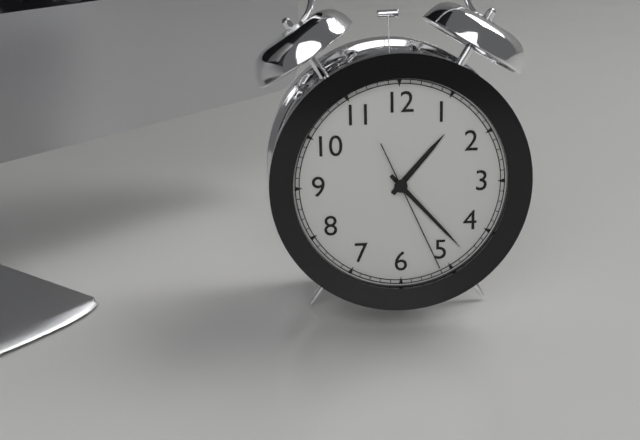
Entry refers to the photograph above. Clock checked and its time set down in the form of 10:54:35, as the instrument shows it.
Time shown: 1:23:26
